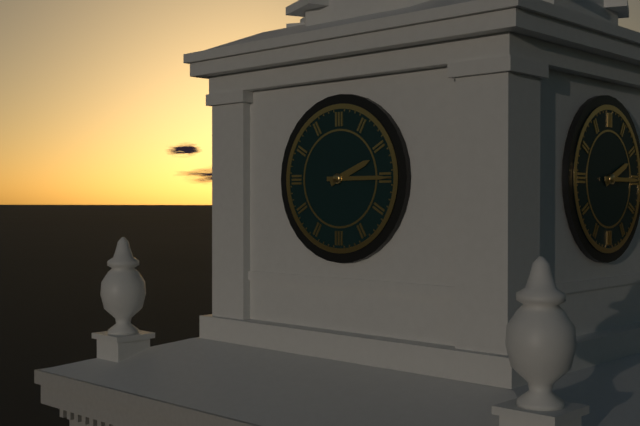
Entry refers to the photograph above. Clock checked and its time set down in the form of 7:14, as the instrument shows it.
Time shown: 2:15
